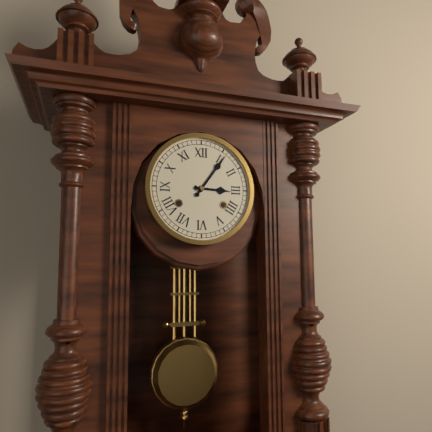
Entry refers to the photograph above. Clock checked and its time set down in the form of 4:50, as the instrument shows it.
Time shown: 3:06
